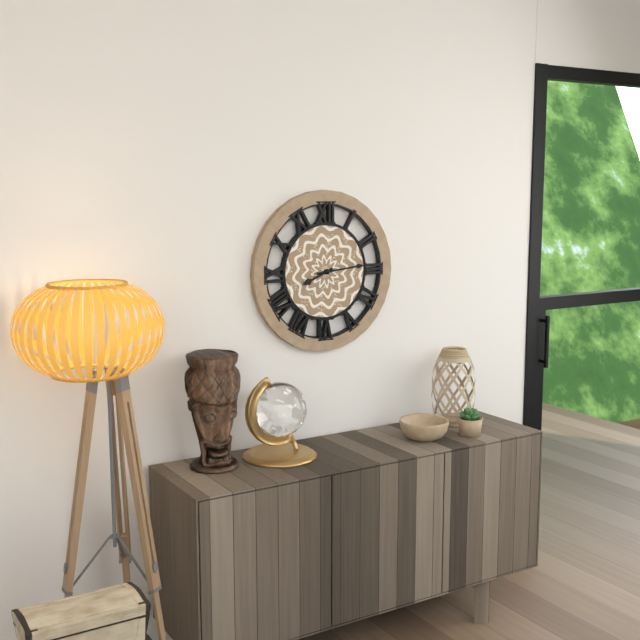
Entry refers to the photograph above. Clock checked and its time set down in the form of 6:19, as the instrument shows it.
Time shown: 8:14
